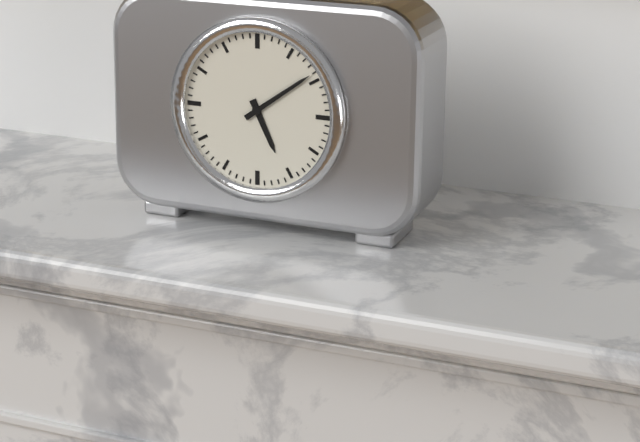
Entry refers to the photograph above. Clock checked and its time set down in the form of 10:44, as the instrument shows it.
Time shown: 5:09
